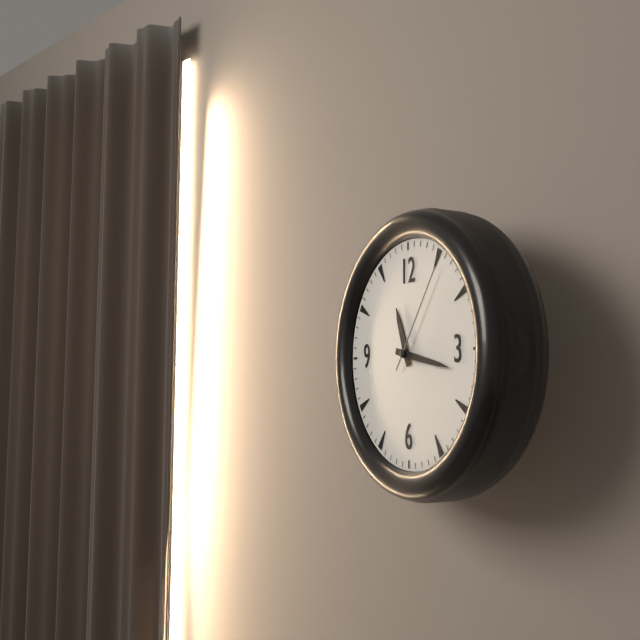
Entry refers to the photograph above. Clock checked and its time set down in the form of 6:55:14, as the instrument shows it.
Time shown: 11:17:06
